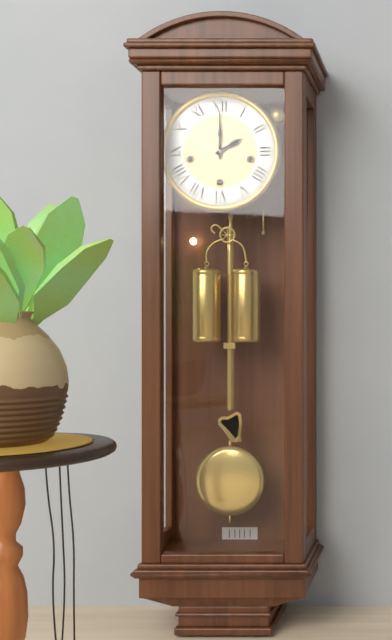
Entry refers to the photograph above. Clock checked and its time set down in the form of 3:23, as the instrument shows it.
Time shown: 2:00
